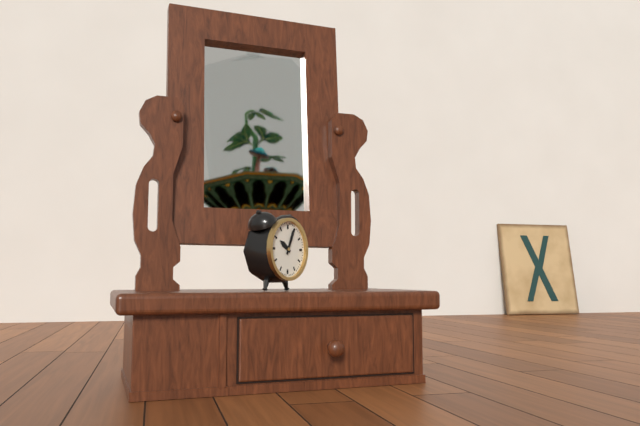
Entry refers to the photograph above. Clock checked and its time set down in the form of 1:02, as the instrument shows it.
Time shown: 10:04
